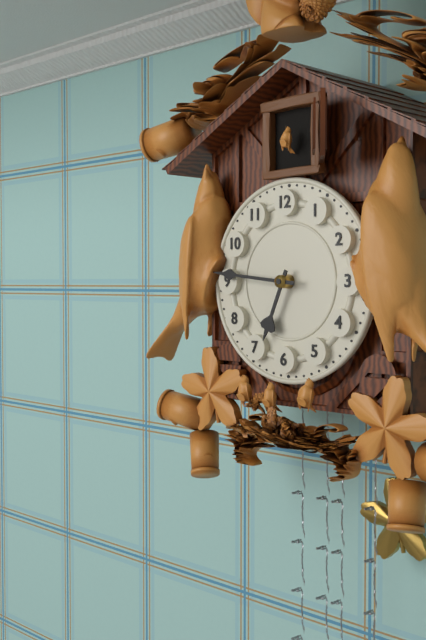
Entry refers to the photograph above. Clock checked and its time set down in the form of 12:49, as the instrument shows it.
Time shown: 6:46
